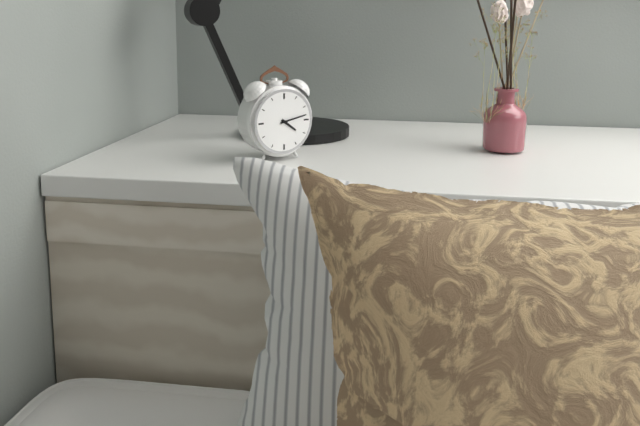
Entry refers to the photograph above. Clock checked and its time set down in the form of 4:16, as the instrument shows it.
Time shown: 4:13
